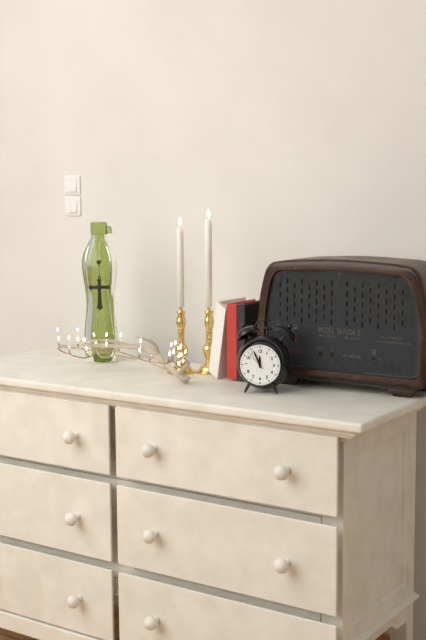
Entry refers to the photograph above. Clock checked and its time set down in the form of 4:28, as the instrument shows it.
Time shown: 11:56
